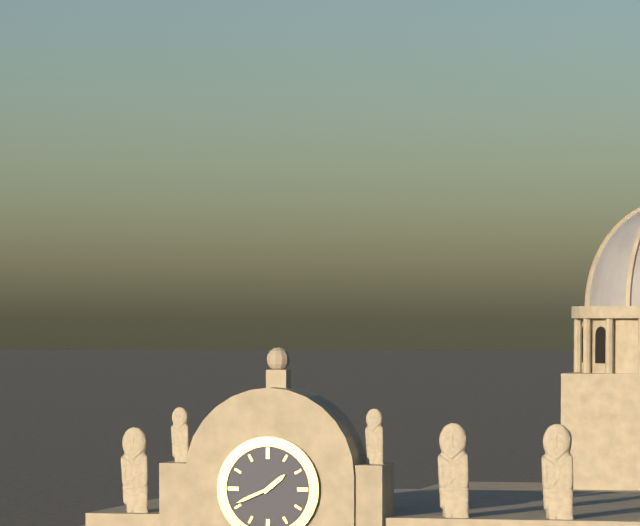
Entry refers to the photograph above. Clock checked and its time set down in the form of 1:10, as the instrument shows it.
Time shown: 1:41
